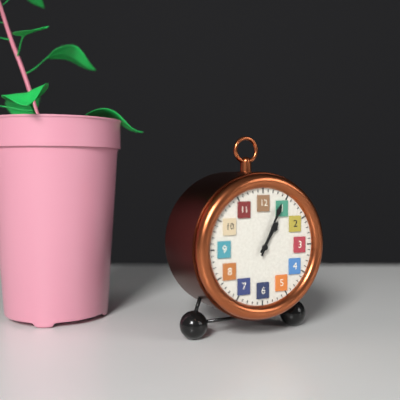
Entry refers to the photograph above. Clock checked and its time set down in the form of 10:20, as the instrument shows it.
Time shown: 1:04
